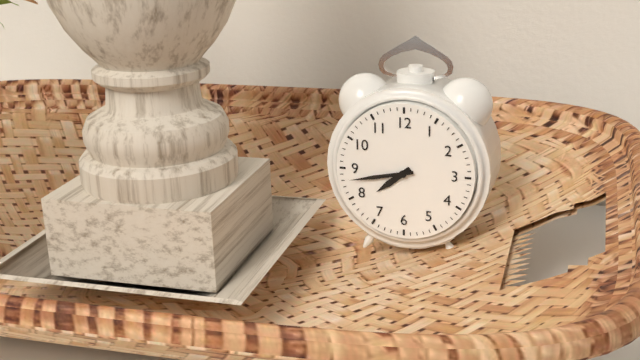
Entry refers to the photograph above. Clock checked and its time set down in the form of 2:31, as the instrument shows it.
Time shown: 7:43
